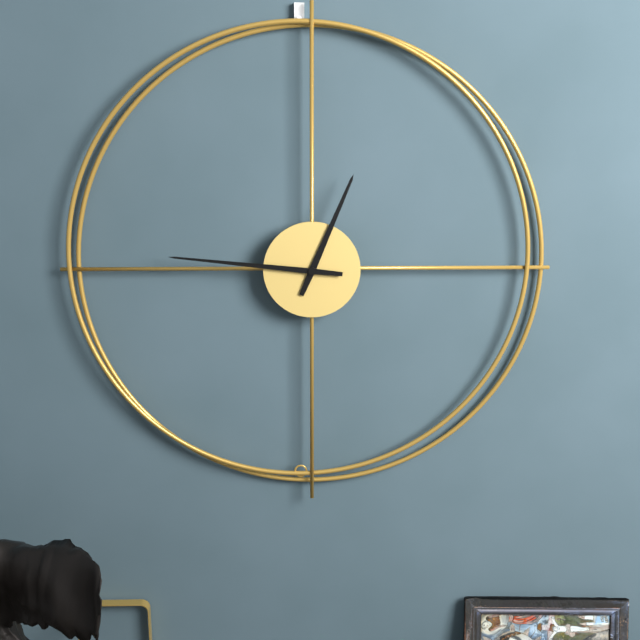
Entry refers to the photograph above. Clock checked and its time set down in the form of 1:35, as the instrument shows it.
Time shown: 12:46
